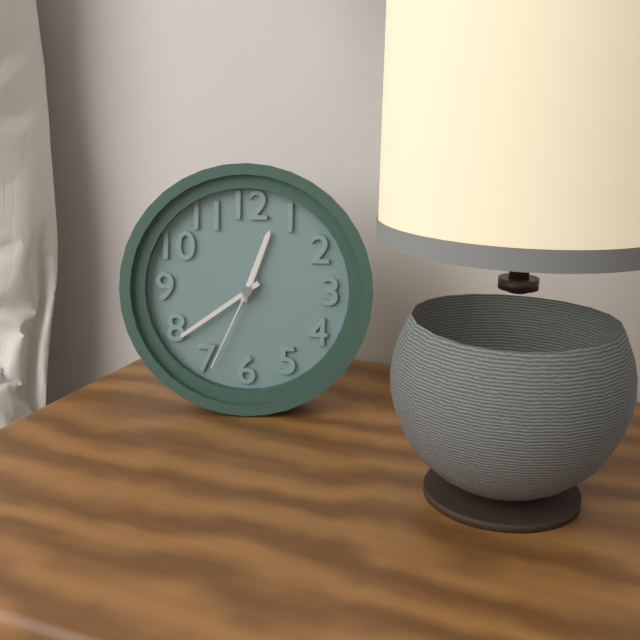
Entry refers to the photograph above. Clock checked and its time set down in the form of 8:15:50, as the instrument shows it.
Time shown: 12:39:34
